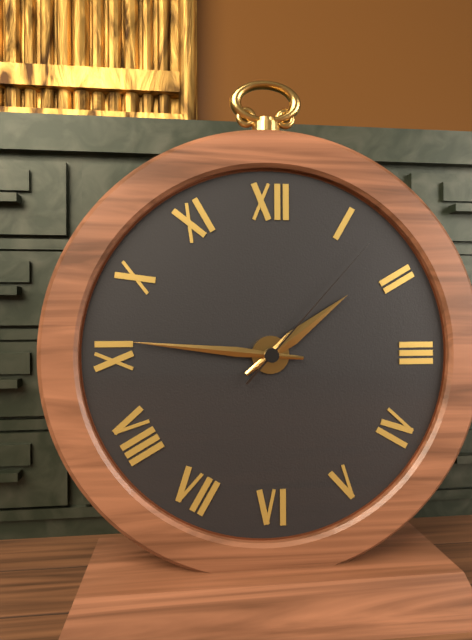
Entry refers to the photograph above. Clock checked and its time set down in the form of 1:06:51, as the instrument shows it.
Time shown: 1:46:07
